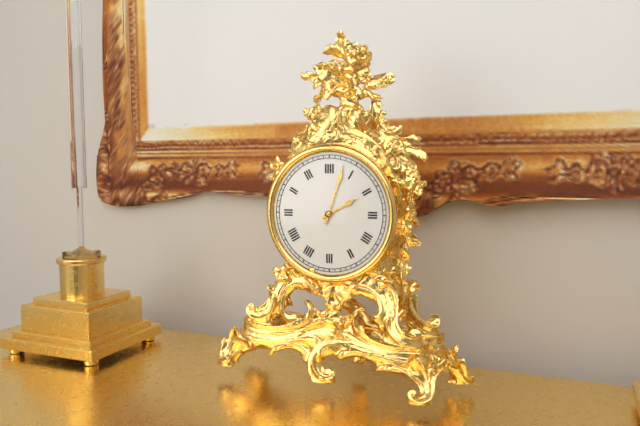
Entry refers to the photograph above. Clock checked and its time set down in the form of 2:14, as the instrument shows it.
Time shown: 2:03
